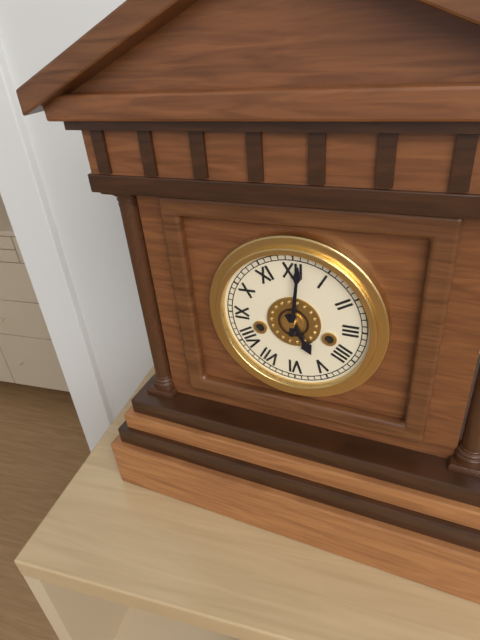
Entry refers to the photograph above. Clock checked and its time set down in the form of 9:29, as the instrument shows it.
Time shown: 5:01
